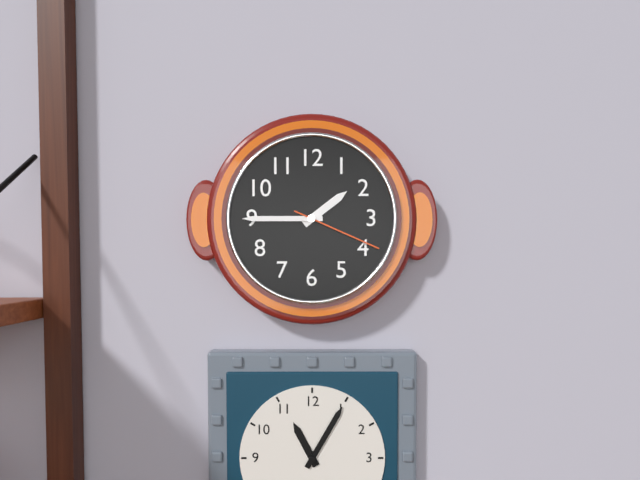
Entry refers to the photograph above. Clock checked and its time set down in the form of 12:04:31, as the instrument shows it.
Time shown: 1:45:19
